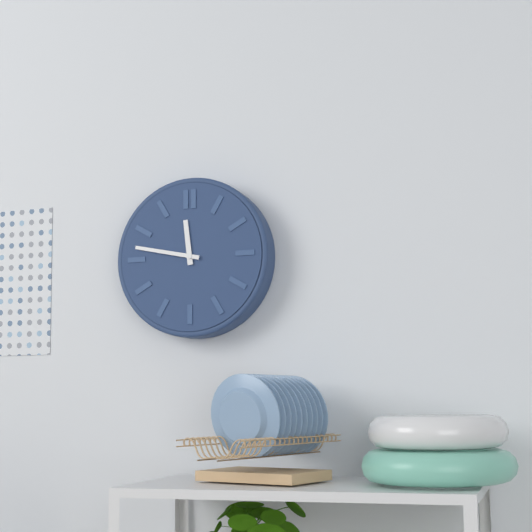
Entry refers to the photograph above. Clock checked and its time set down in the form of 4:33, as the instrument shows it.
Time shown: 11:47
